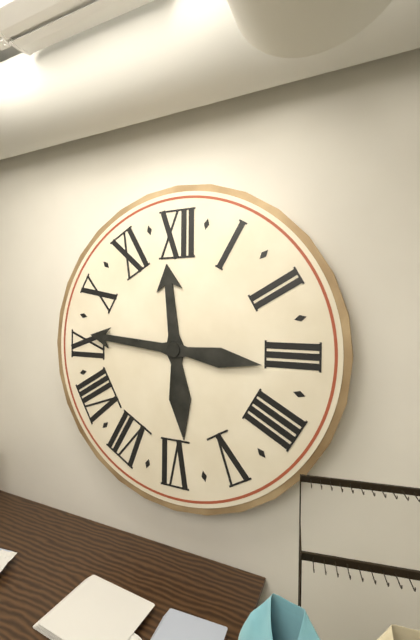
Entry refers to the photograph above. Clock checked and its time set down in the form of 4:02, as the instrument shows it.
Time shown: 11:46
